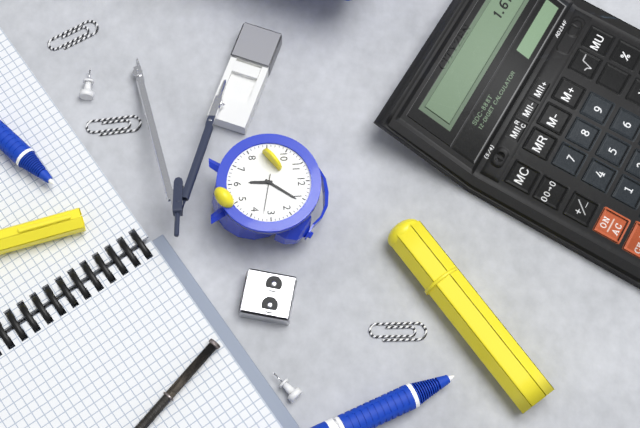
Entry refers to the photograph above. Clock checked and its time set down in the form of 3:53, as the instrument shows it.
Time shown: 6:06
